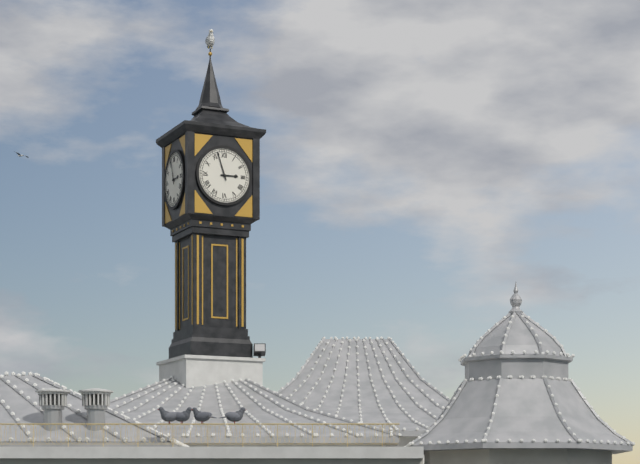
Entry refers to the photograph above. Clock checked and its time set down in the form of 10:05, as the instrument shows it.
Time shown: 2:57
